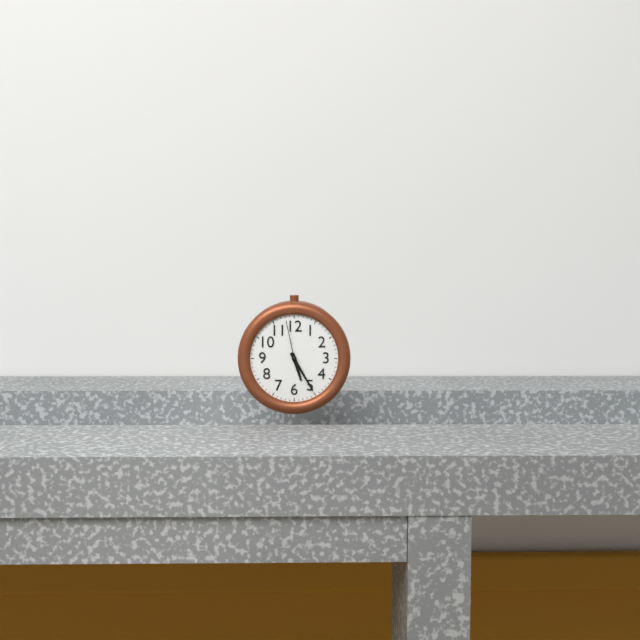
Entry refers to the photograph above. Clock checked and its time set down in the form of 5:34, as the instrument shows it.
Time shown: 5:25
